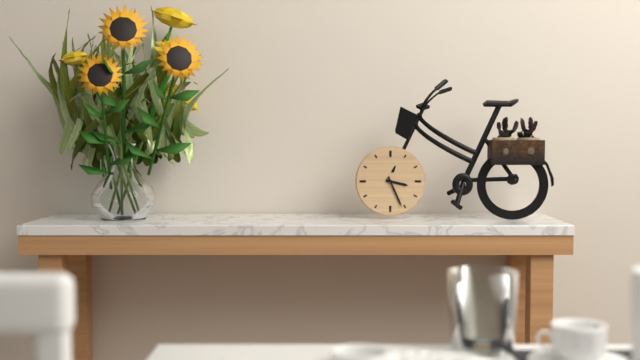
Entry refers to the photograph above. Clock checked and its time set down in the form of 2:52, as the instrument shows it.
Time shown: 3:26
